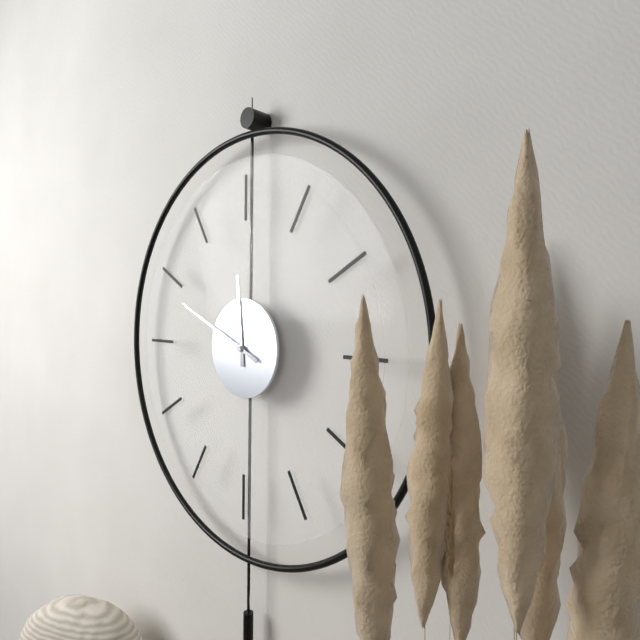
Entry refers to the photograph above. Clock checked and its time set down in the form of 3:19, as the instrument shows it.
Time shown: 11:49
